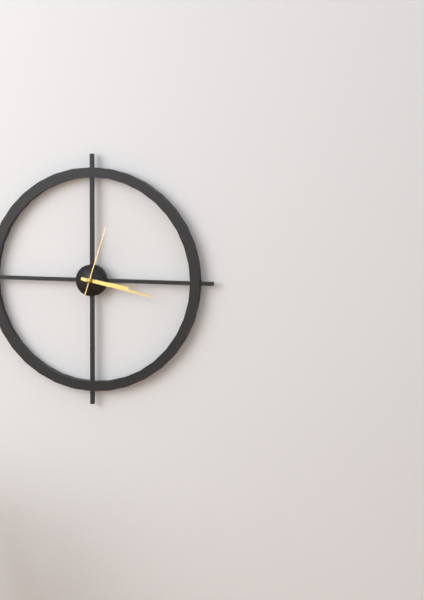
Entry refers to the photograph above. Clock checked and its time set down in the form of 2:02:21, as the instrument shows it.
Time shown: 3:17:03
